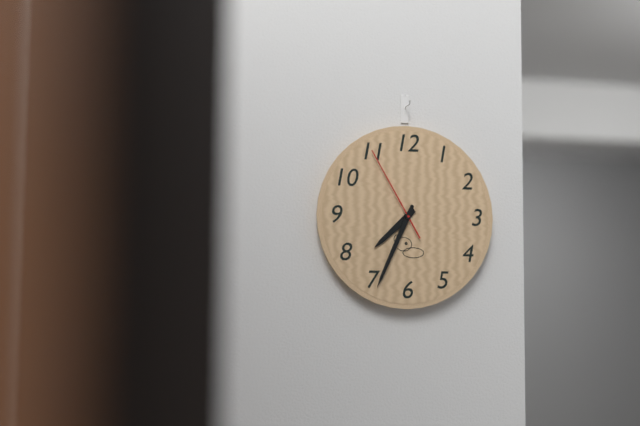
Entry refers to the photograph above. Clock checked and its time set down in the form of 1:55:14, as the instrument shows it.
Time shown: 7:34:55
